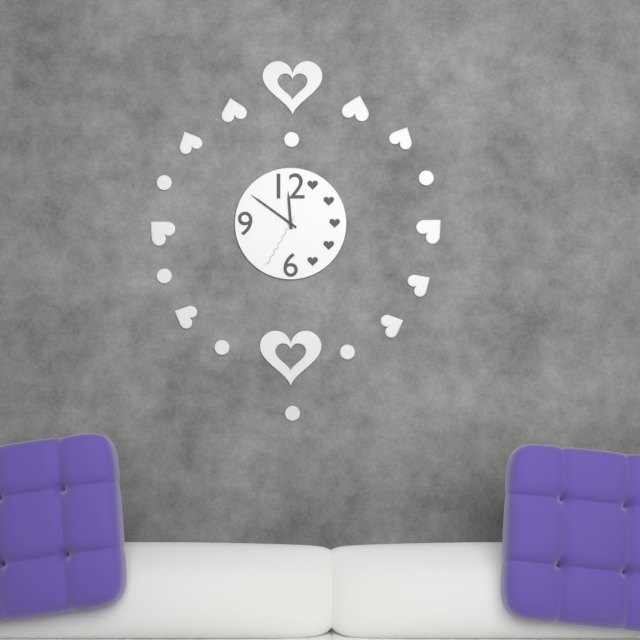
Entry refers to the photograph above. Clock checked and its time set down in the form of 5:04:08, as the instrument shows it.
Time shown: 11:51:35
